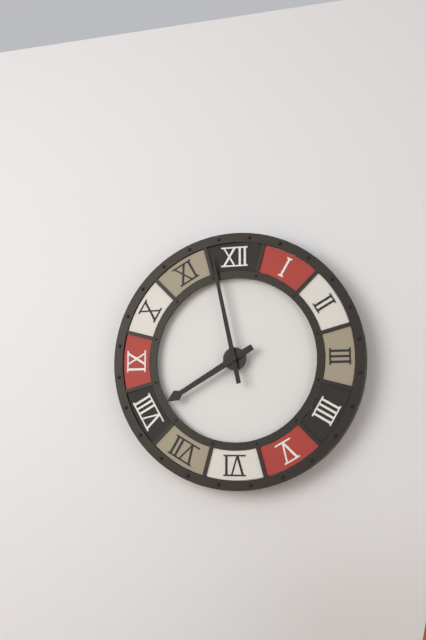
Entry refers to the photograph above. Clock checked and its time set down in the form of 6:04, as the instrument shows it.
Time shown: 7:58
